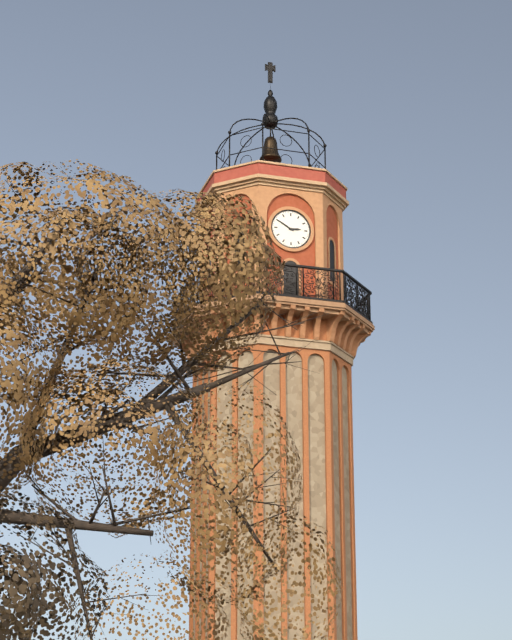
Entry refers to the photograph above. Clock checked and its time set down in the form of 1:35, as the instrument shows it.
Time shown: 2:50
